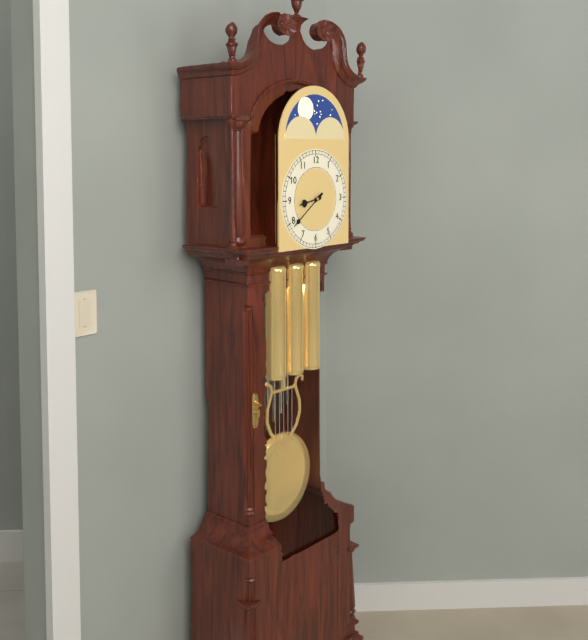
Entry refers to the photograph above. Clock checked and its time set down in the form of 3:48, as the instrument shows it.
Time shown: 8:39
